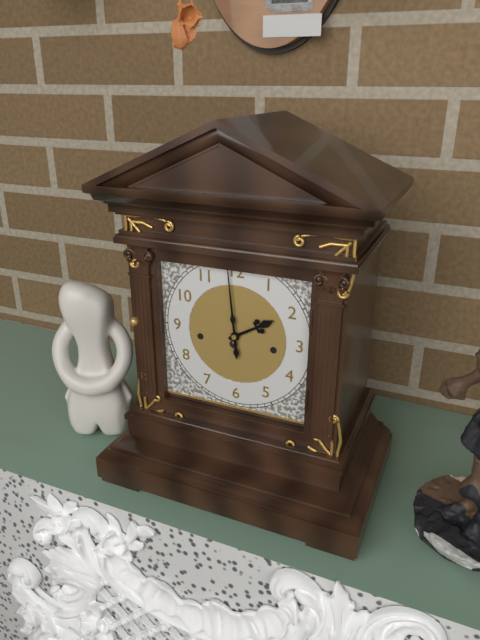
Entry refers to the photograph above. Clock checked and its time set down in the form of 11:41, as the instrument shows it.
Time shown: 1:59
